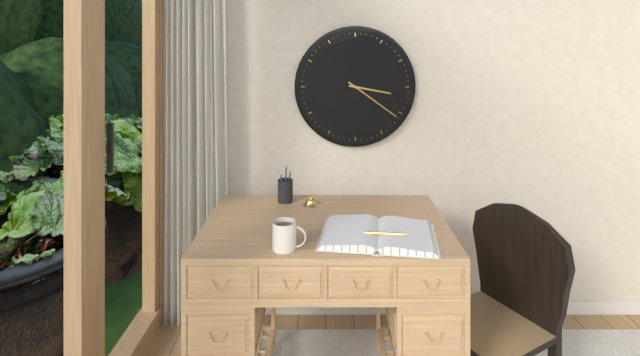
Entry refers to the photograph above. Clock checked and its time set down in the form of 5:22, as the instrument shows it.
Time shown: 3:21
